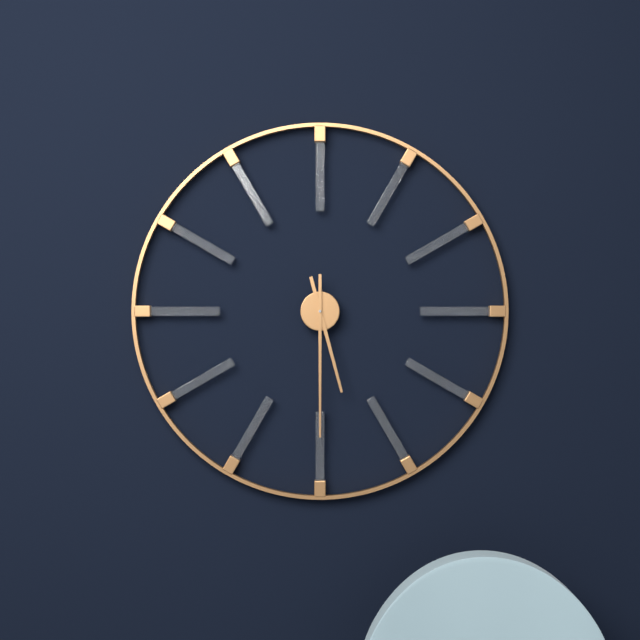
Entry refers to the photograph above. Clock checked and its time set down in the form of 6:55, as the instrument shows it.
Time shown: 5:30
